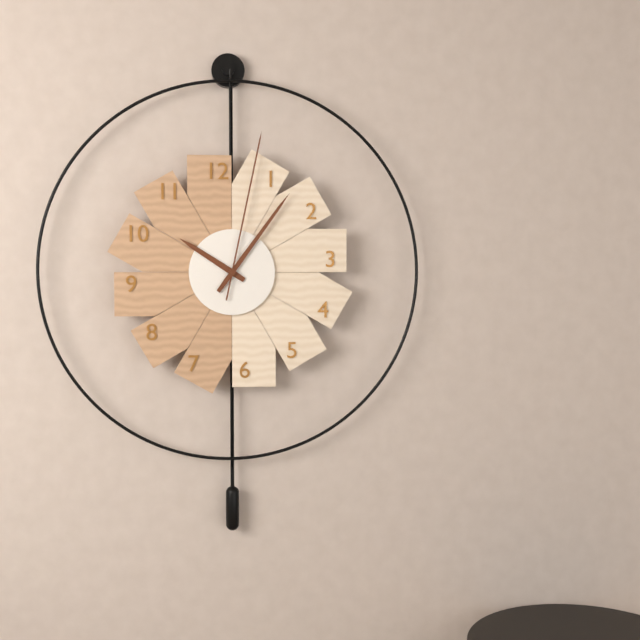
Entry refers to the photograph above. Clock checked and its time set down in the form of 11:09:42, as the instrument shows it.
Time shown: 10:06:02
